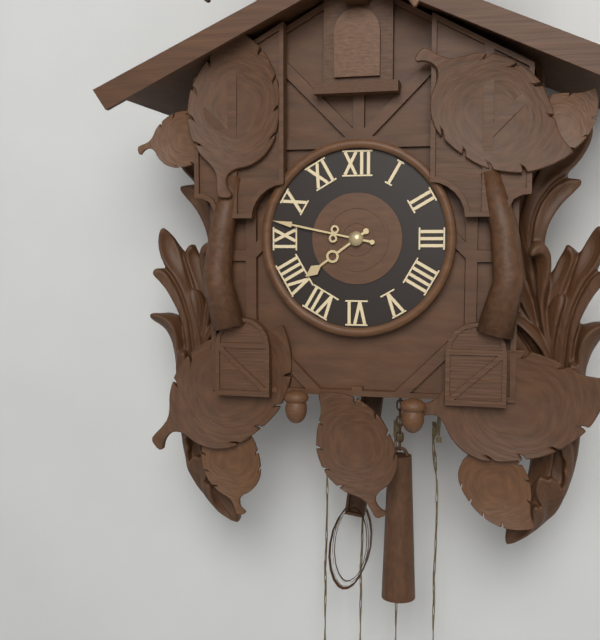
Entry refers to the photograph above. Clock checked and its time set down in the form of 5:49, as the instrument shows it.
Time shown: 7:47
